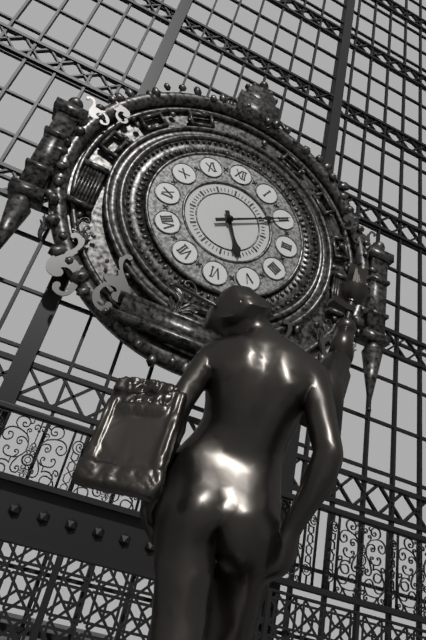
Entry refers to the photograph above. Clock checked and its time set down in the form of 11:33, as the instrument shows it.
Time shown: 5:10
